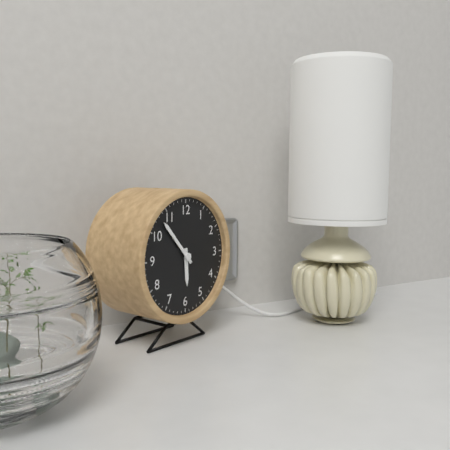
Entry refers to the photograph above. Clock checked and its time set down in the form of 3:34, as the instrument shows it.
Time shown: 5:53
